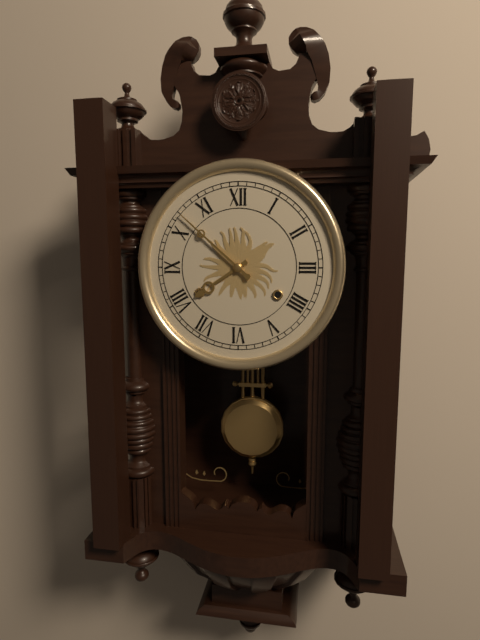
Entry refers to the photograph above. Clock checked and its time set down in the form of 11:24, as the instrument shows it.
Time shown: 7:52
